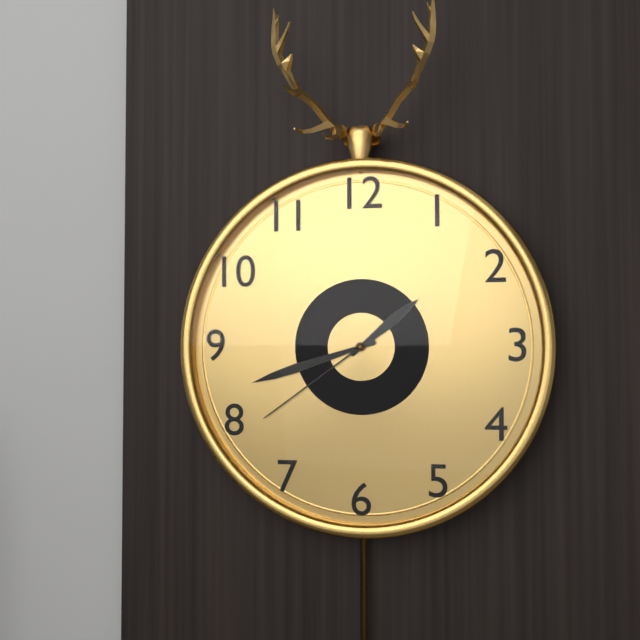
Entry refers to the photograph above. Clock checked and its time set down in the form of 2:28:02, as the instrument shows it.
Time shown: 1:42:39
